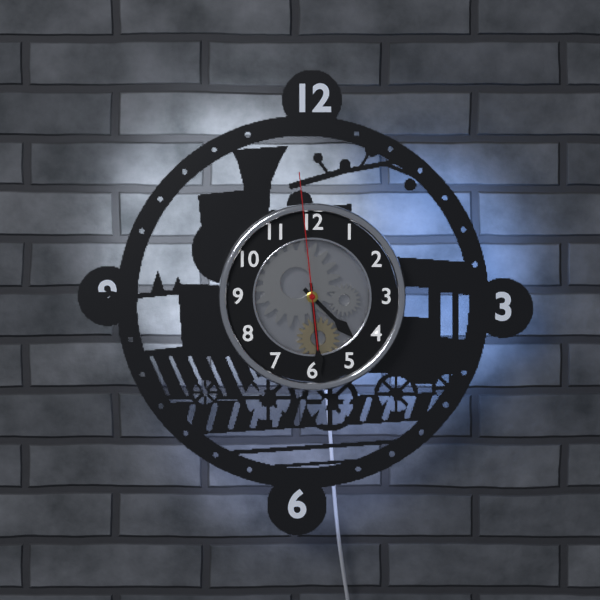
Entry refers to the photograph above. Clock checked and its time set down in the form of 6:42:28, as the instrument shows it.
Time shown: 4:29:59
